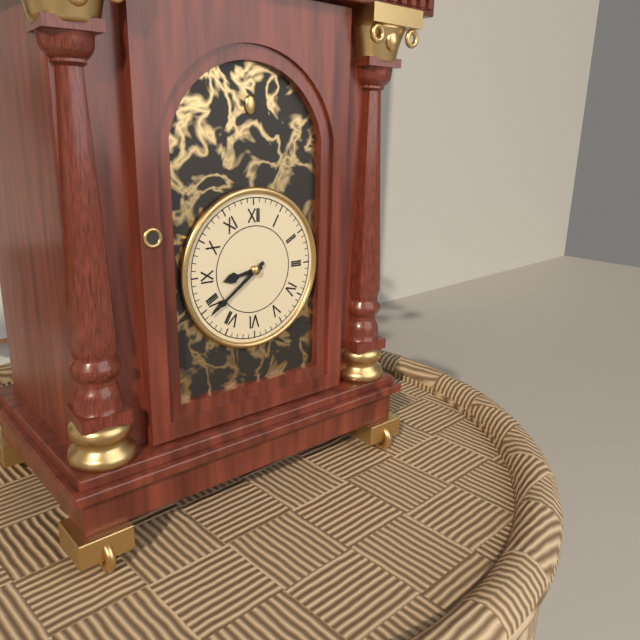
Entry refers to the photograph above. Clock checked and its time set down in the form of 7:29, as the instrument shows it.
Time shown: 8:39
